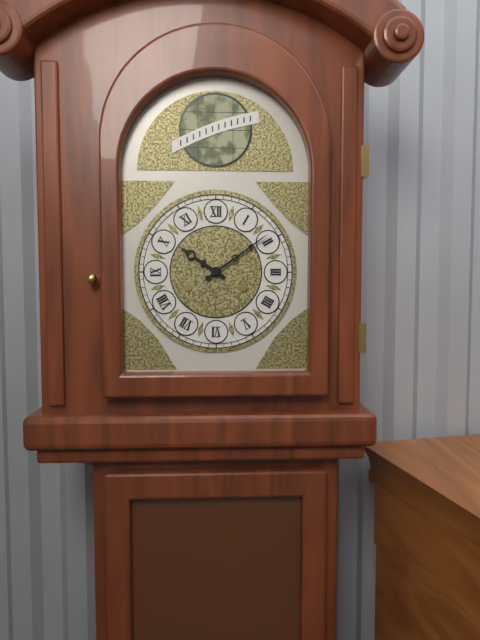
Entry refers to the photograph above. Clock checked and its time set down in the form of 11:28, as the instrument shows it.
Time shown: 10:09
